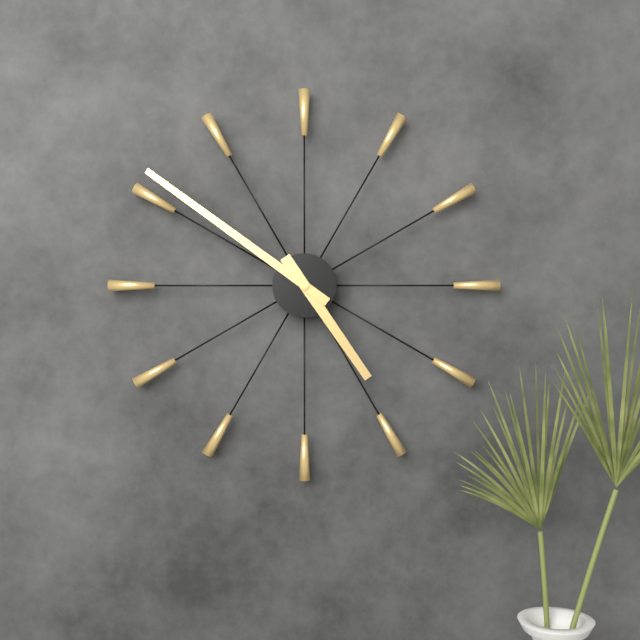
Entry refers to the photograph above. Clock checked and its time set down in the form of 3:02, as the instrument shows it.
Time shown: 4:51
